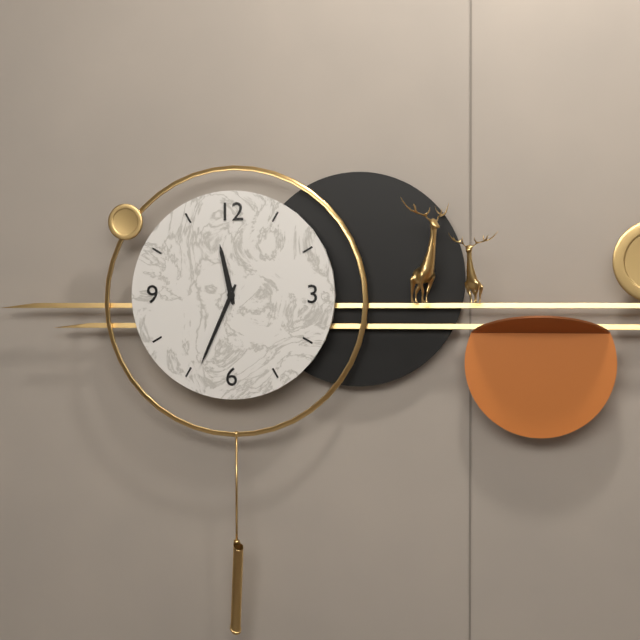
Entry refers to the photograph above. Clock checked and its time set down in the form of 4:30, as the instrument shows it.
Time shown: 11:34
